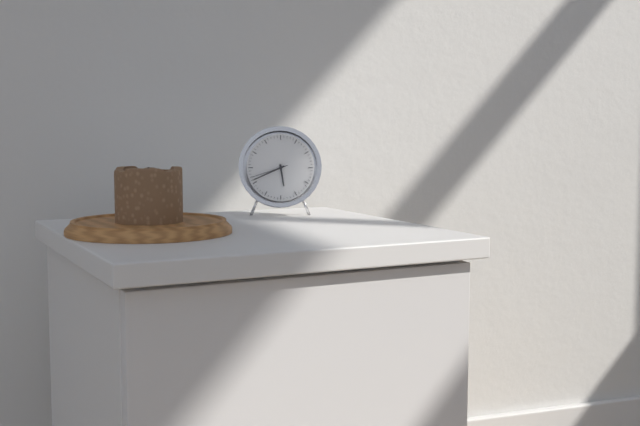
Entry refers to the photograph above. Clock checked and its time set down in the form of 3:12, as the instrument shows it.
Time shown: 5:41
